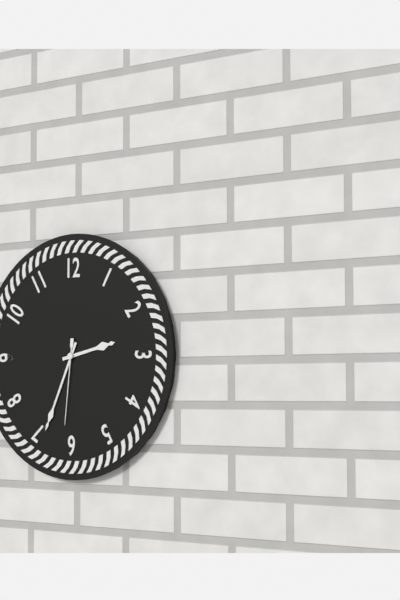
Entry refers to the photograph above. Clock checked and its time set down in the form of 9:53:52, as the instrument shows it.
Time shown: 2:34:31
